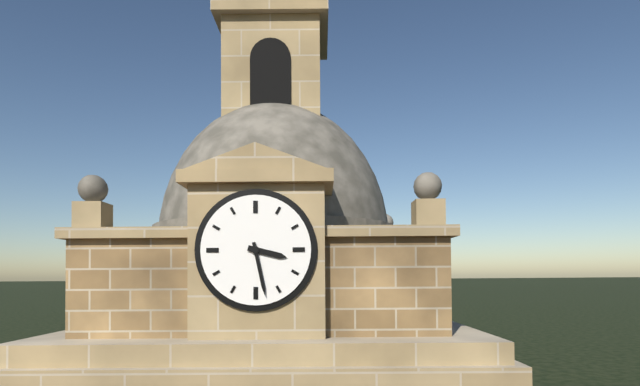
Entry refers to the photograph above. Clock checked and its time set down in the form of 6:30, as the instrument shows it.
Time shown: 3:28
